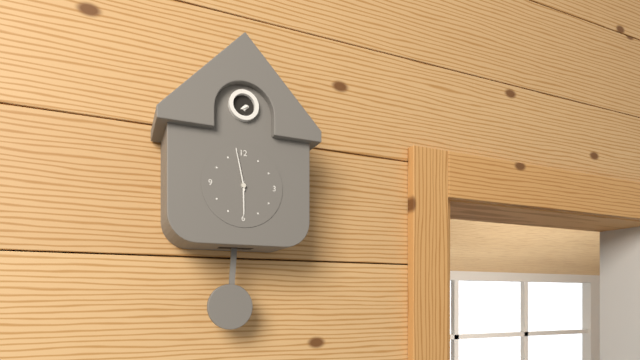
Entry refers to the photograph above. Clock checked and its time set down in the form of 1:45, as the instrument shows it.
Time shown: 5:58
